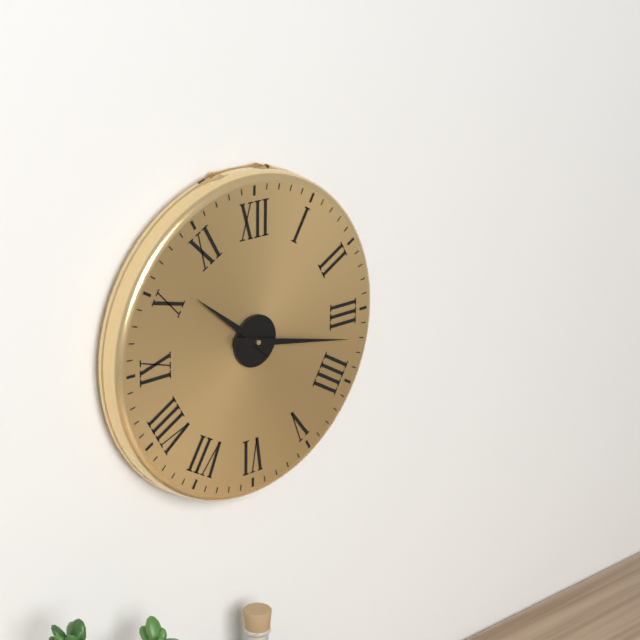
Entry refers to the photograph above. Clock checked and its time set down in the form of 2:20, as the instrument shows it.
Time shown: 10:17
